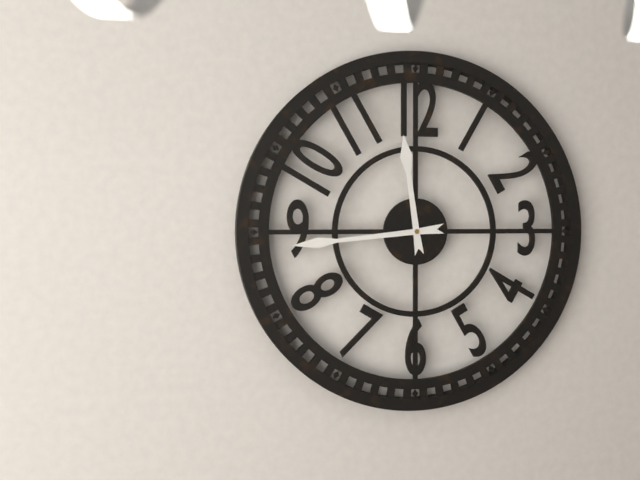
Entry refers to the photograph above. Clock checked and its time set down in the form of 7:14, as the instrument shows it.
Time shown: 11:44
